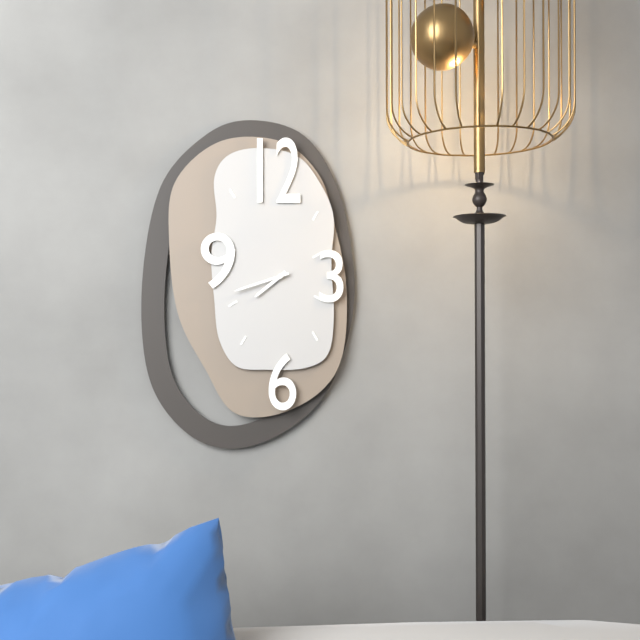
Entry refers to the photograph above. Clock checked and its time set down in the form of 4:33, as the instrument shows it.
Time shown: 7:42
